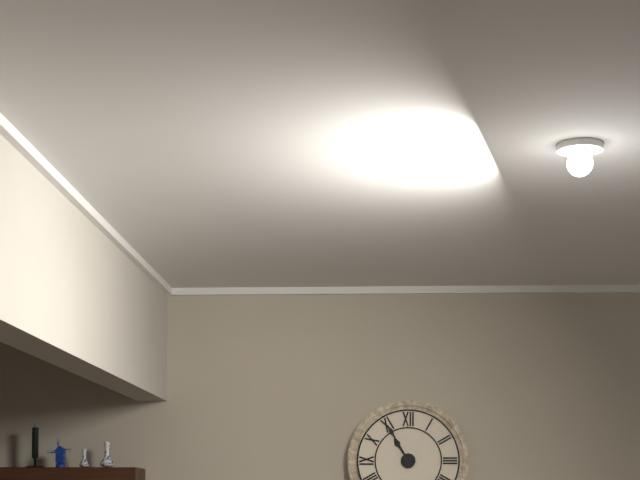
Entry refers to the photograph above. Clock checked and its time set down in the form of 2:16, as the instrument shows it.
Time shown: 10:55
